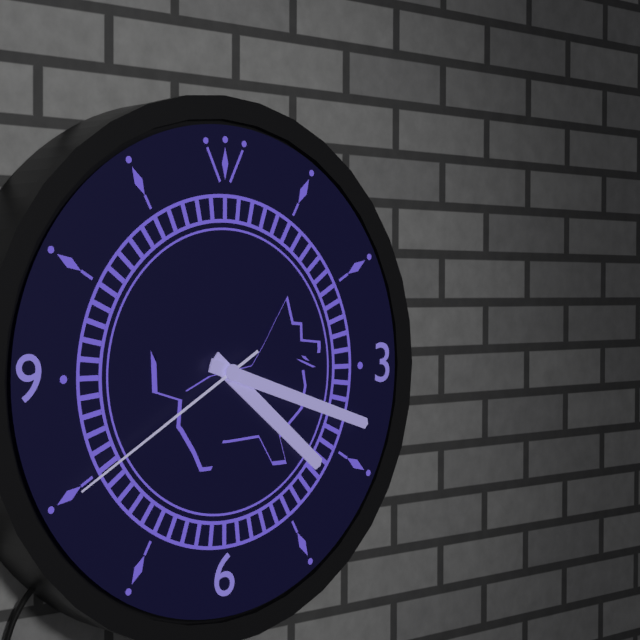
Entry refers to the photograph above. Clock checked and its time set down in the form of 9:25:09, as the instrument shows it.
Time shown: 4:18:40
